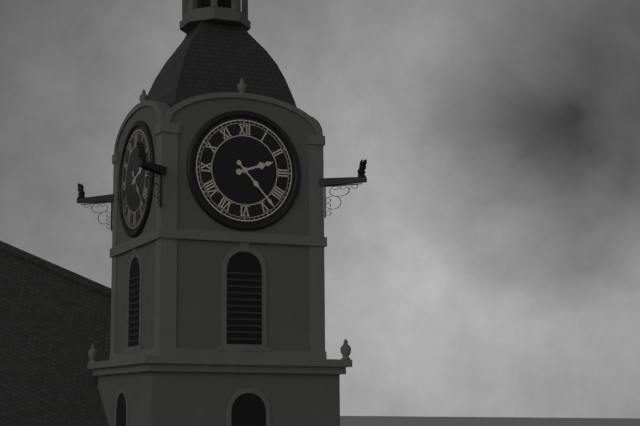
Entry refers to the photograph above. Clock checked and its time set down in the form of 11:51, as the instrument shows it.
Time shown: 2:23
